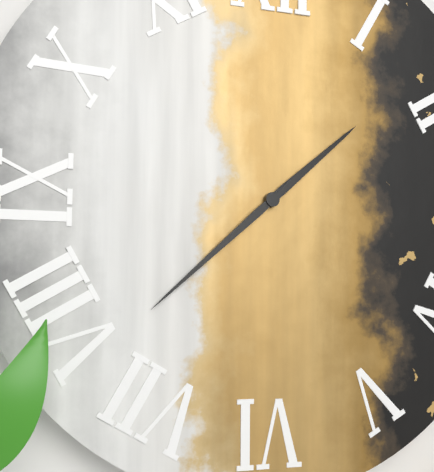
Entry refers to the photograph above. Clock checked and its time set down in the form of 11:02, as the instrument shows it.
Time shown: 1:38
